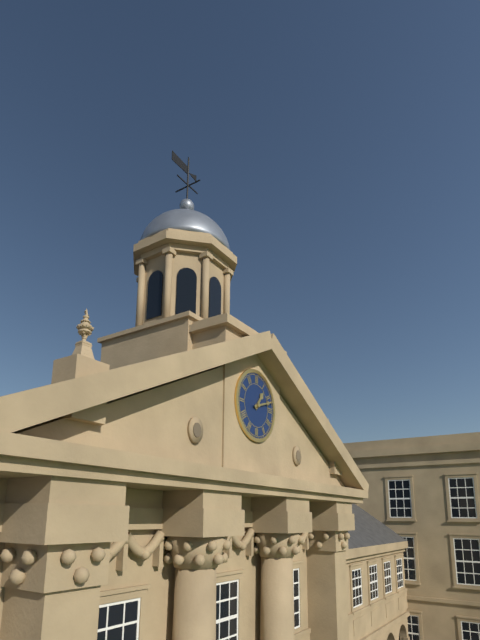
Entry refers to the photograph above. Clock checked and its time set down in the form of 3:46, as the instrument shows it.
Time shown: 1:12
